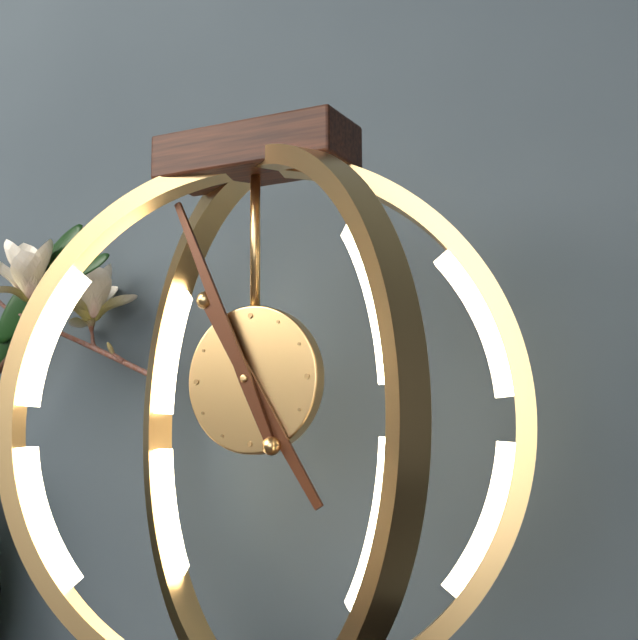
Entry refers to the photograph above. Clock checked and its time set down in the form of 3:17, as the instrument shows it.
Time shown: 4:56
